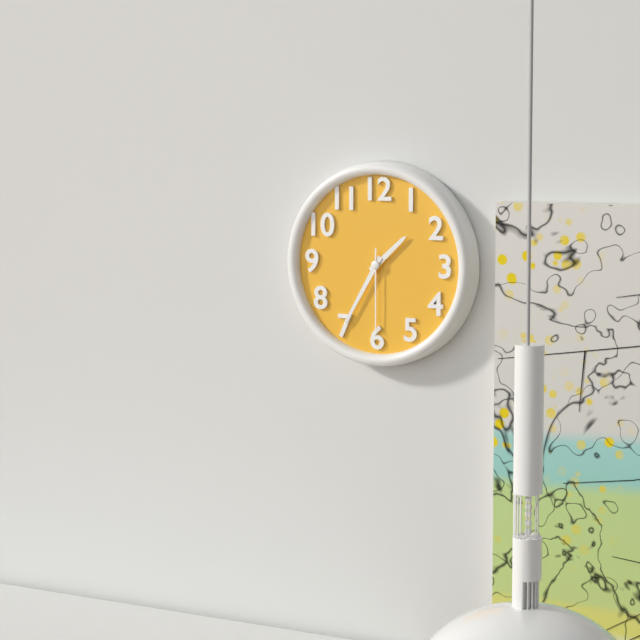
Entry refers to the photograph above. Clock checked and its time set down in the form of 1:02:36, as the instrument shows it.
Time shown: 1:35:30
